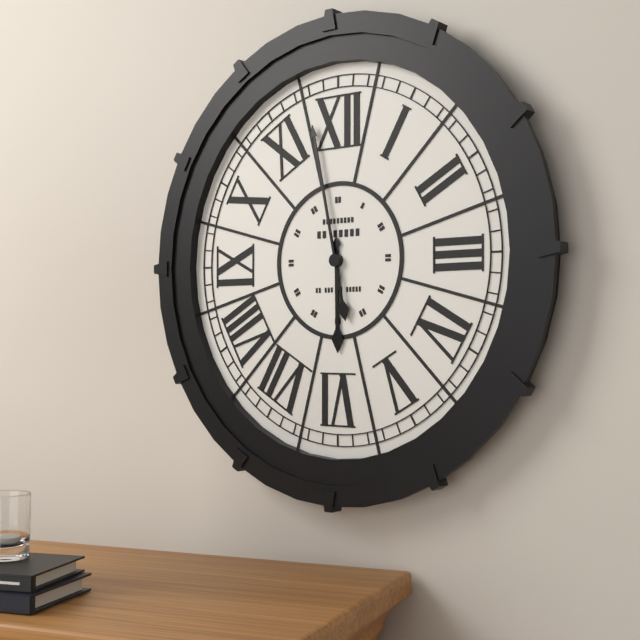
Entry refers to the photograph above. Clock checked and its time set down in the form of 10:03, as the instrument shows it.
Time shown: 5:58
